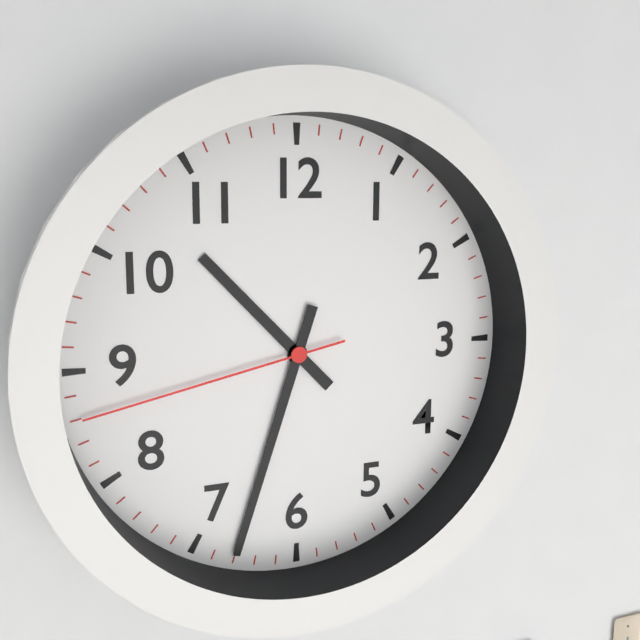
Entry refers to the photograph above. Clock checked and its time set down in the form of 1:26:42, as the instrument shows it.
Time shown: 10:33:43
